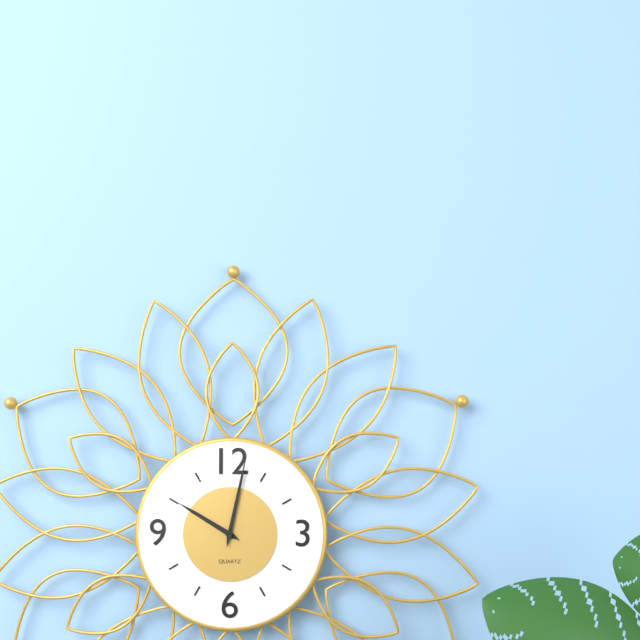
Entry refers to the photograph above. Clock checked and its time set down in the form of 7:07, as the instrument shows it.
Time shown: 10:02
